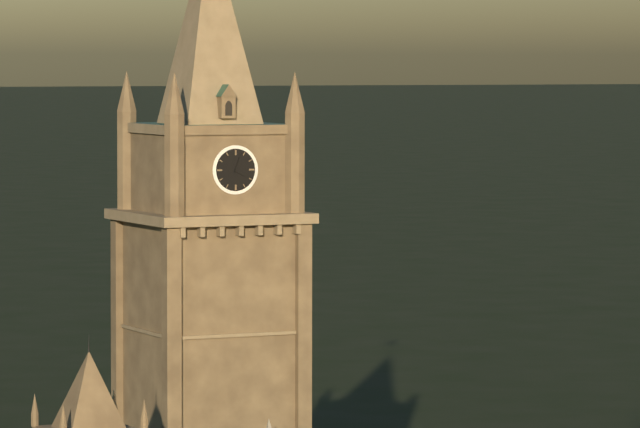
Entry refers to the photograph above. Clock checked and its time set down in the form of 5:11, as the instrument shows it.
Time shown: 4:03
